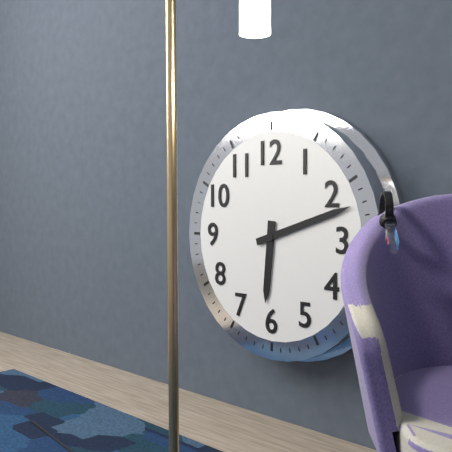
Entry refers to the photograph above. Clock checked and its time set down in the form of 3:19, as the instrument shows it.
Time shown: 6:12
